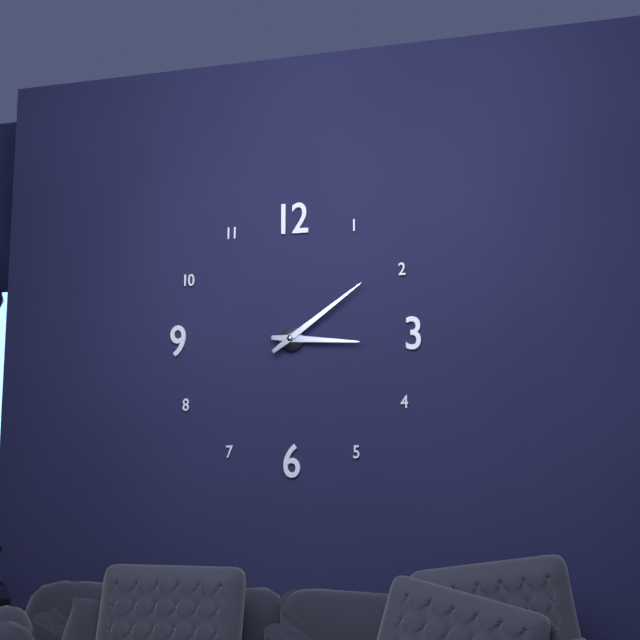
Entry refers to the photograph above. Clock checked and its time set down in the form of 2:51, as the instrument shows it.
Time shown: 3:09
